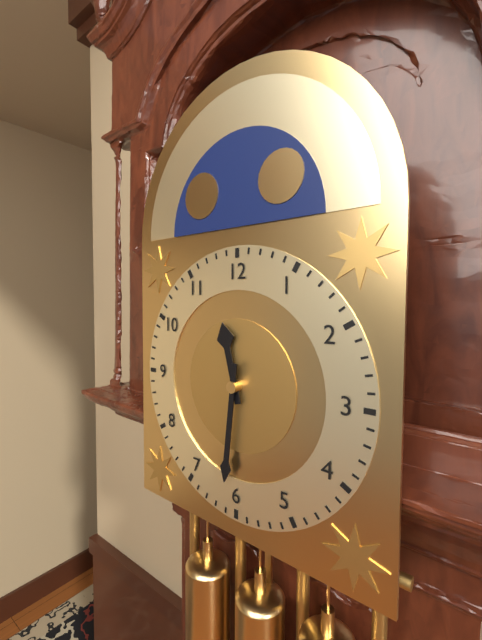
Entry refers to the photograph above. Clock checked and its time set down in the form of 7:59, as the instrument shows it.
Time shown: 11:31
